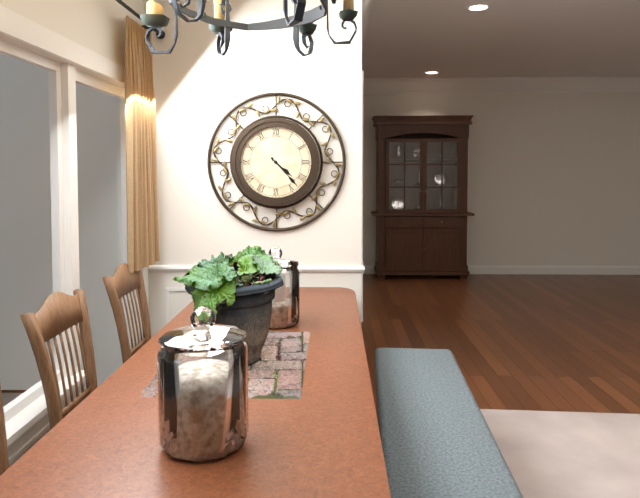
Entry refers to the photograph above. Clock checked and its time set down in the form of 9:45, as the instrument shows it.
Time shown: 4:23
